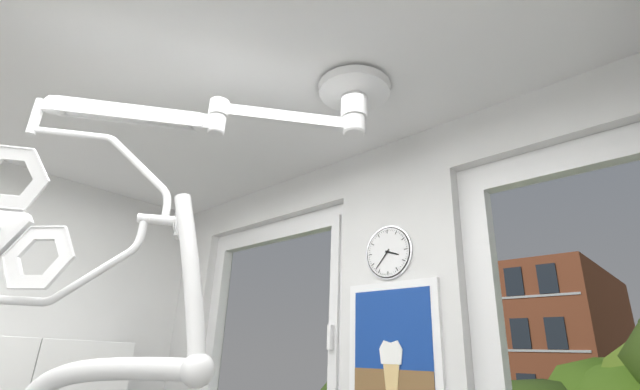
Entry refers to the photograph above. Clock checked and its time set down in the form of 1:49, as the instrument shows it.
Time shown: 3:37
